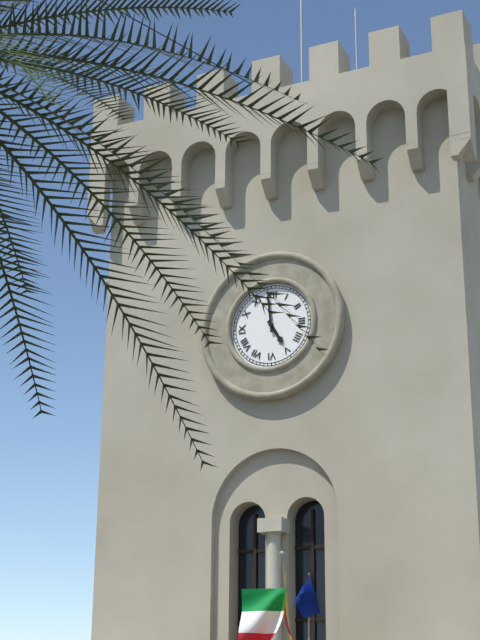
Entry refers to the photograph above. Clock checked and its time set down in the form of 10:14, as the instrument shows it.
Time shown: 4:59
